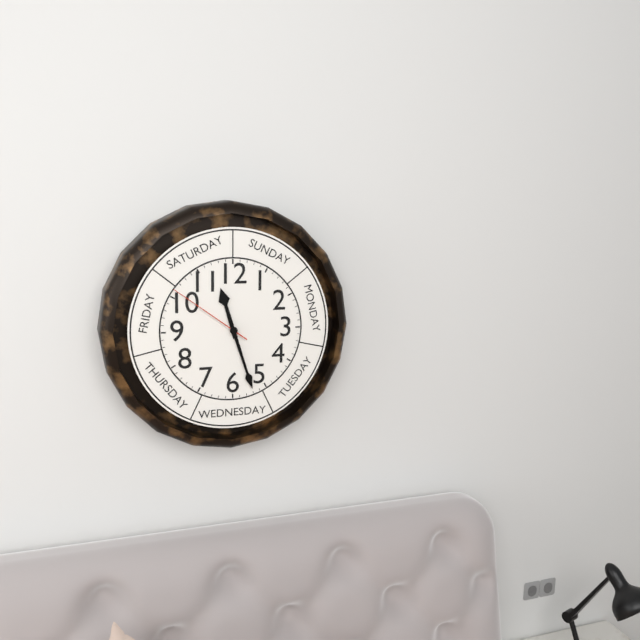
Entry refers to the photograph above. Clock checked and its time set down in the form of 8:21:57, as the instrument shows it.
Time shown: 11:27:51
